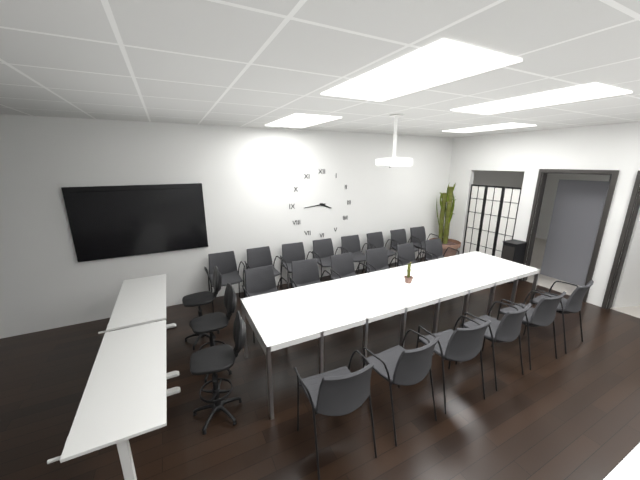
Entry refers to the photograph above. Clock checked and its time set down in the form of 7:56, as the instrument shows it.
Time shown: 3:44
